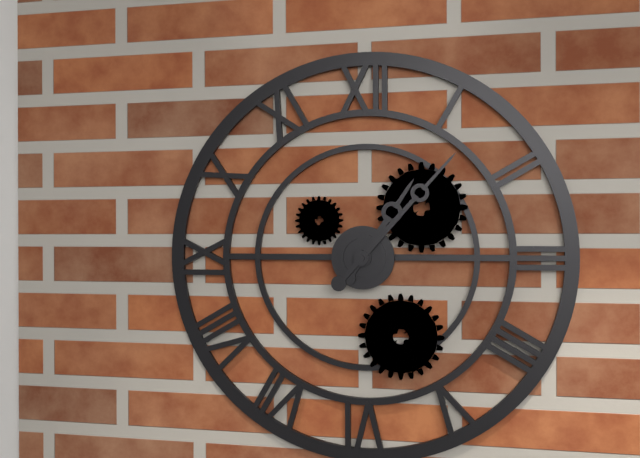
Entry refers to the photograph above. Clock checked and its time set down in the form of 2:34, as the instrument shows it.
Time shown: 1:07
